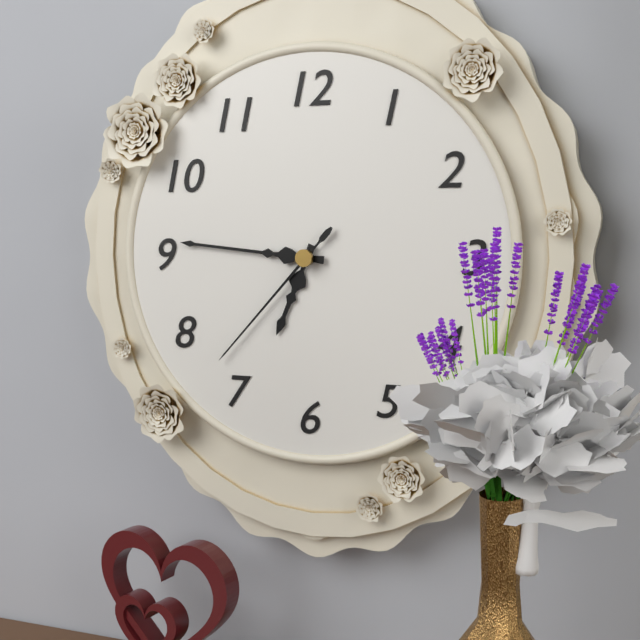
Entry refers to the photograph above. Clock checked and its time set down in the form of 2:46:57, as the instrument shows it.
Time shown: 6:46:37
